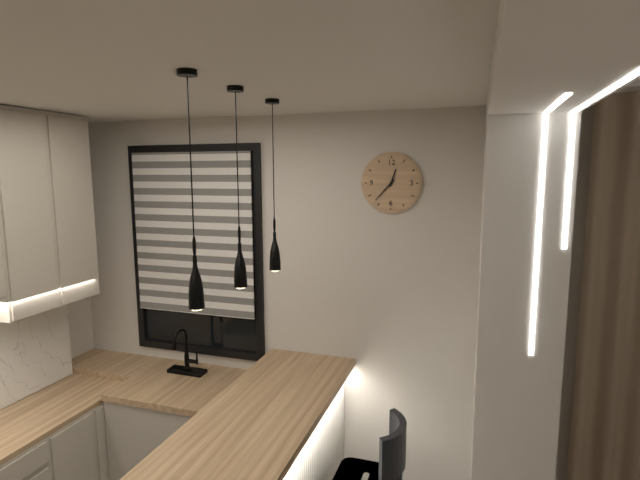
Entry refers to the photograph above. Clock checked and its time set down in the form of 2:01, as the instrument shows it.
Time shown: 12:37
